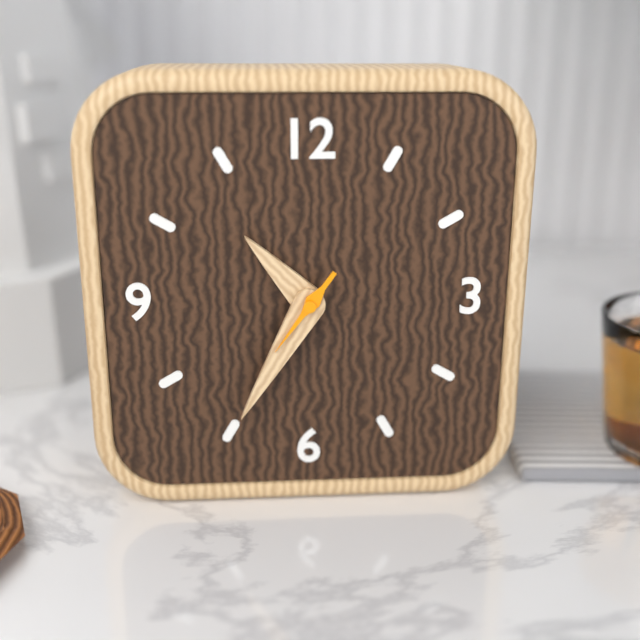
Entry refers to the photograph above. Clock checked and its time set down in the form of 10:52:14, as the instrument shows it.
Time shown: 10:35:36
